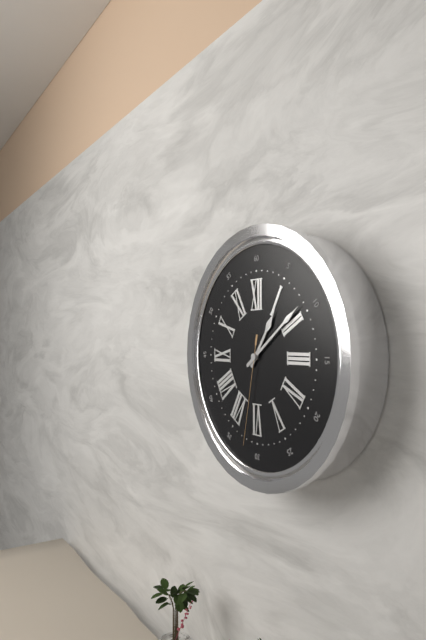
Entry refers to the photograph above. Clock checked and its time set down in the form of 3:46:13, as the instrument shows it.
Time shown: 1:09:32
